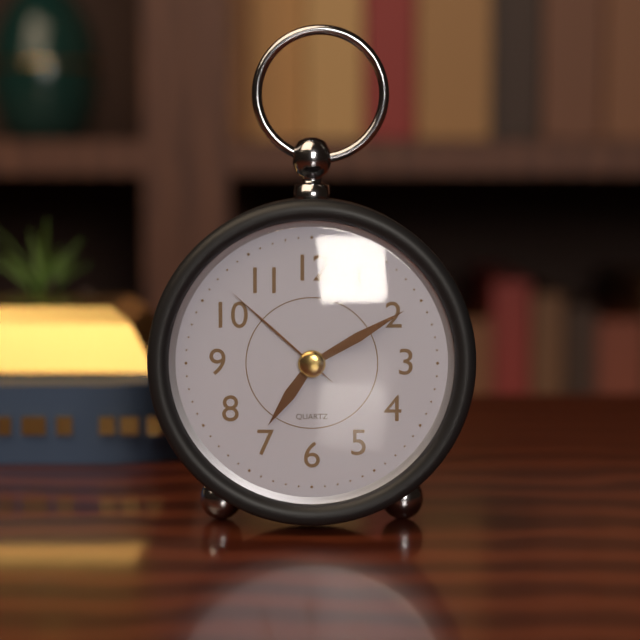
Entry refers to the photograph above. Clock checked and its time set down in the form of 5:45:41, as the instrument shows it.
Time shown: 7:10:52
